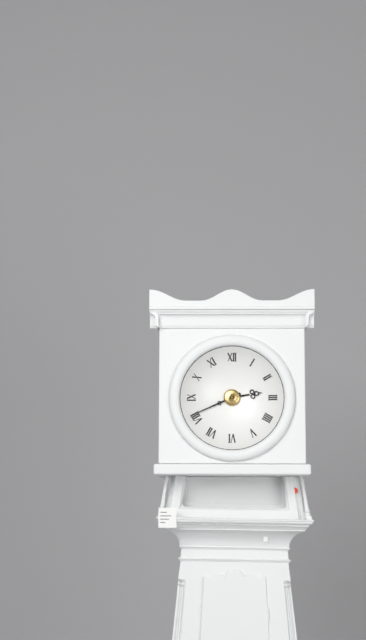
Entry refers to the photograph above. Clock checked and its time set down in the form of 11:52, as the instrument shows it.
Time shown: 2:41
